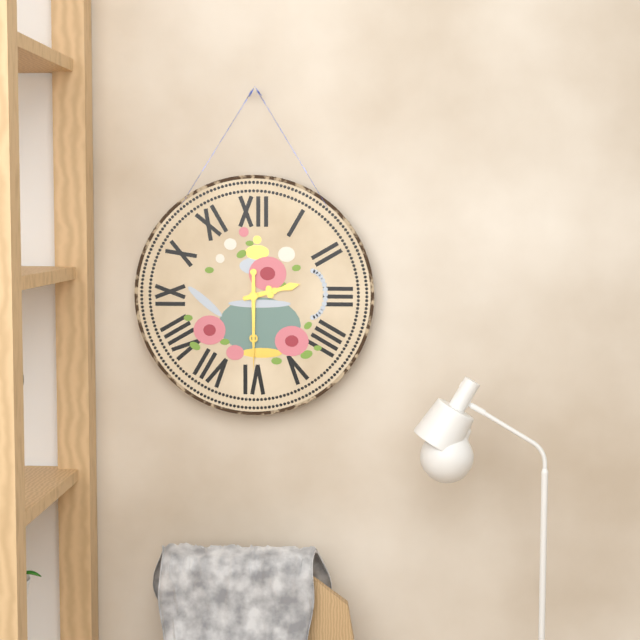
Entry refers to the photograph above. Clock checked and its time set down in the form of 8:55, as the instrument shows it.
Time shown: 2:30
